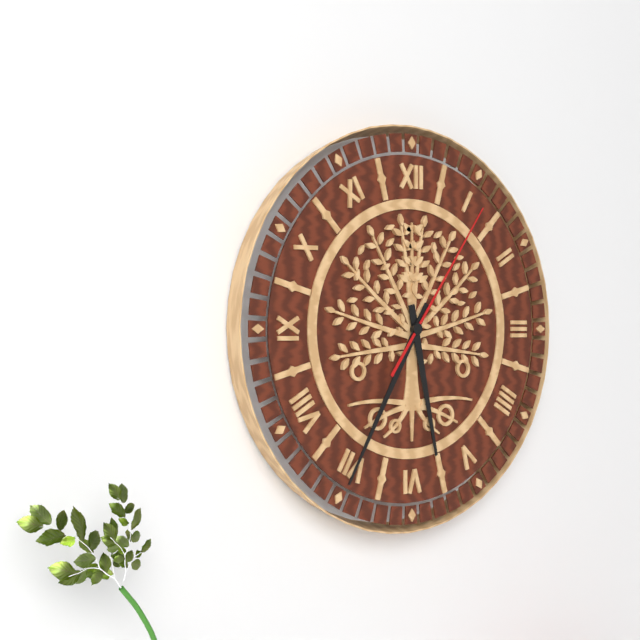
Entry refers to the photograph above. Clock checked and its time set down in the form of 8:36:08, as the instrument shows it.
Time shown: 5:35:06
